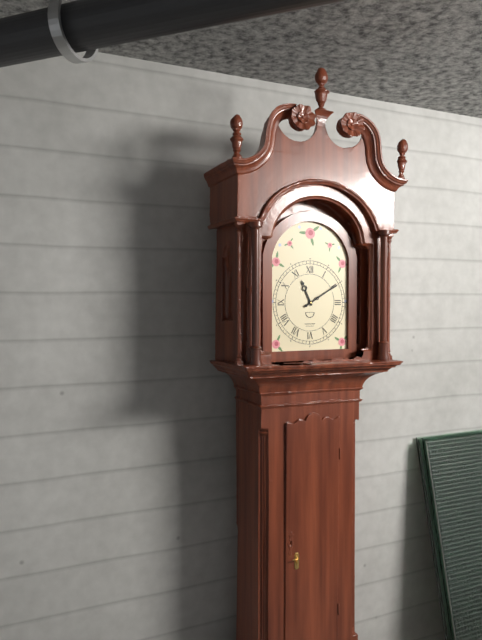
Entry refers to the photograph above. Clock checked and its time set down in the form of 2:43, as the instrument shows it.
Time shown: 11:10
